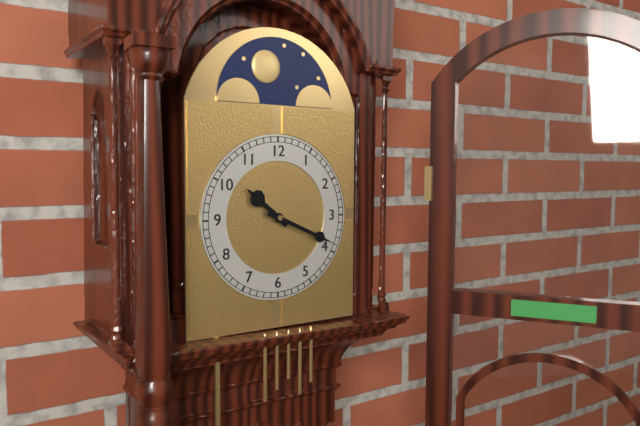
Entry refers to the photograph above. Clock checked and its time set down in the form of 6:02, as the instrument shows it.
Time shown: 10:19
